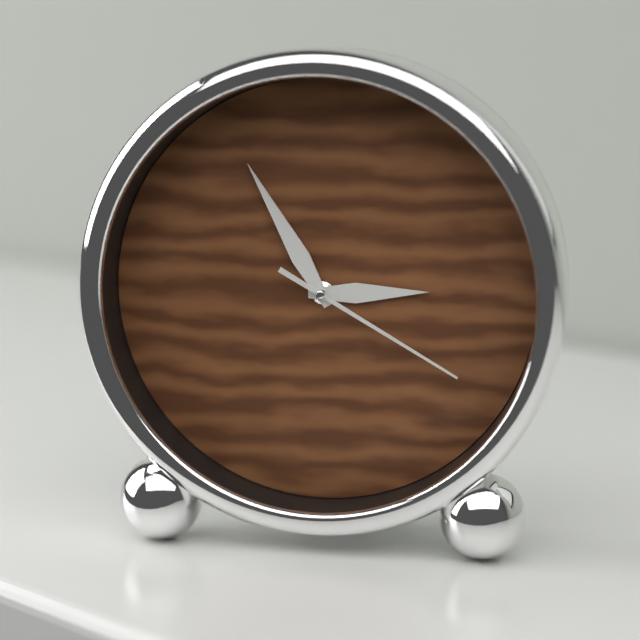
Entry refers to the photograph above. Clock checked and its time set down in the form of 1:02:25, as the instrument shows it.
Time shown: 2:55:20
